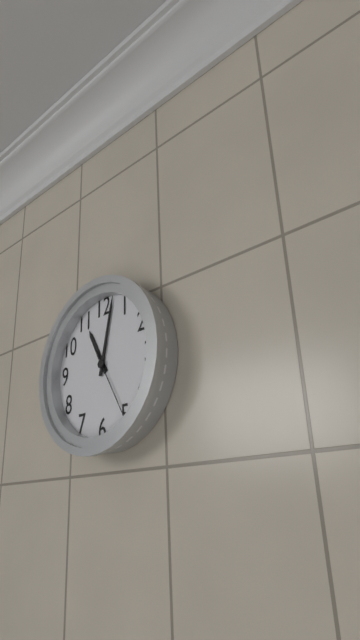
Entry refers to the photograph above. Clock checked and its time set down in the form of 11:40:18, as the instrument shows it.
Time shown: 11:02:25
